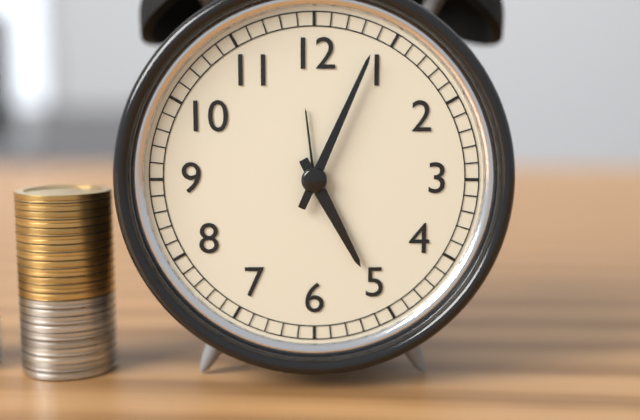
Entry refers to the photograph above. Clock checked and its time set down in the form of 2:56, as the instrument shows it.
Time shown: 5:04
